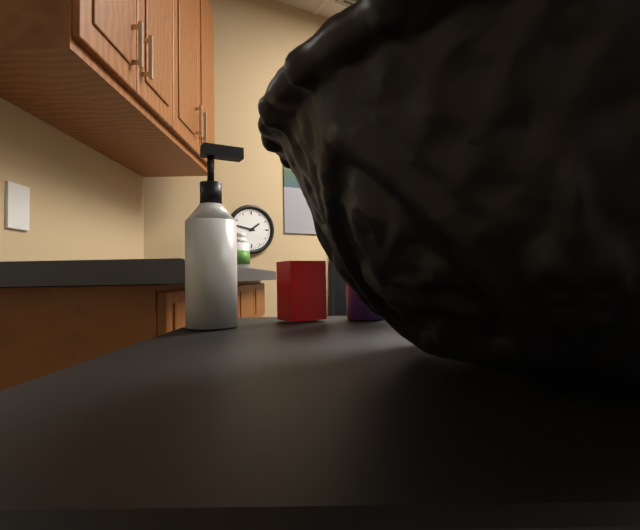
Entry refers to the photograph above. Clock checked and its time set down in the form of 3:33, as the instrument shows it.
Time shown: 1:47
